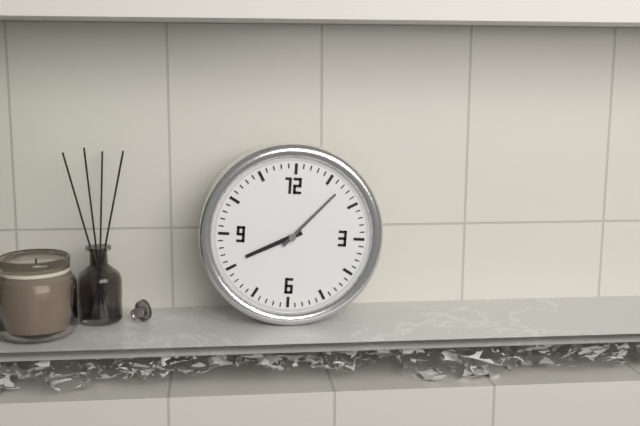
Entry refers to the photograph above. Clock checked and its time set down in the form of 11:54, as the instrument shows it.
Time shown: 8:07
